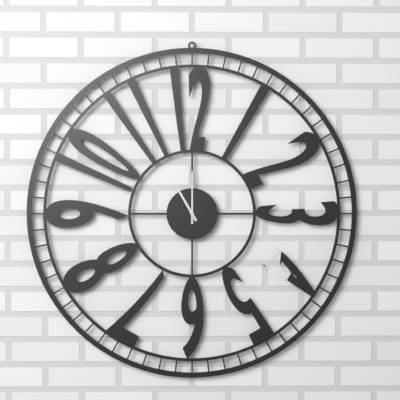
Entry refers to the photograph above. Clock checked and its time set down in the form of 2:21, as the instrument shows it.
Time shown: 11:00
